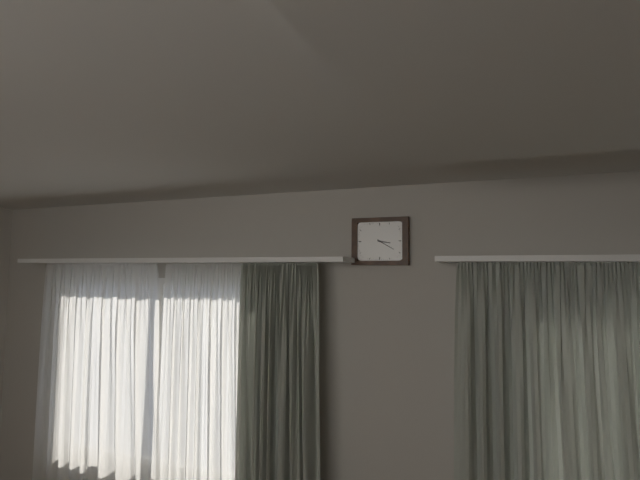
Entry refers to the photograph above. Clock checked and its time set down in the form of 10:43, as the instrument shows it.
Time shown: 3:20
